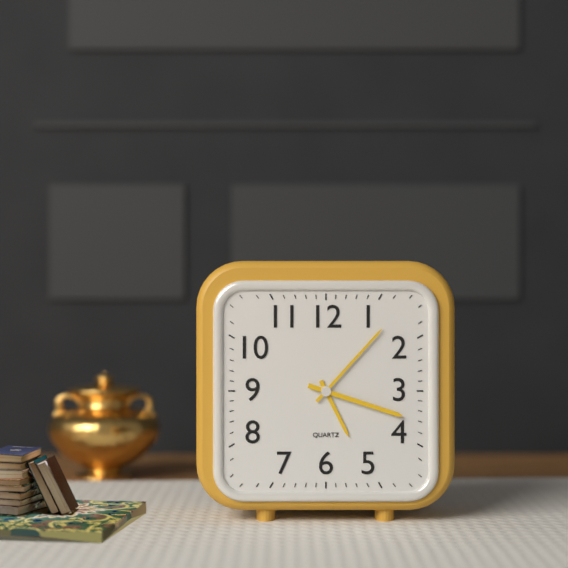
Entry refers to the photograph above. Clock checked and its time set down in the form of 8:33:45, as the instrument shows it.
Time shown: 5:07:18
